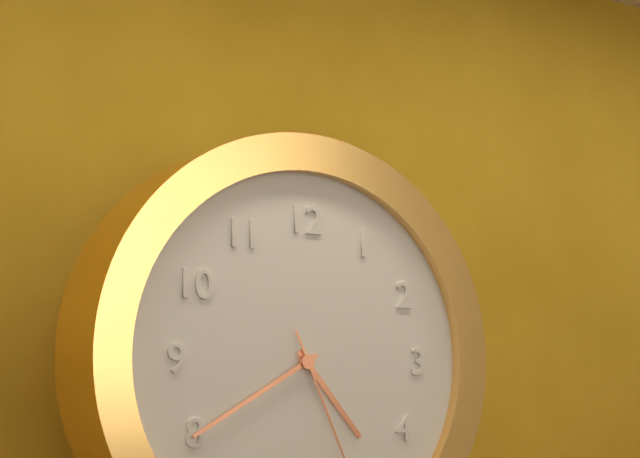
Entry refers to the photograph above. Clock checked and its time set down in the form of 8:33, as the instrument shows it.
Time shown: 4:40
